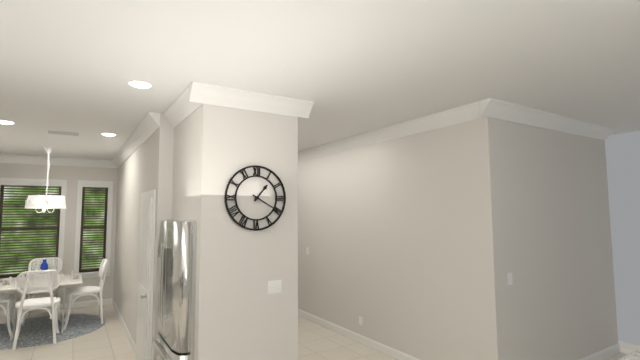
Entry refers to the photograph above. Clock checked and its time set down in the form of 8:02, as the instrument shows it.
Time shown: 1:20
